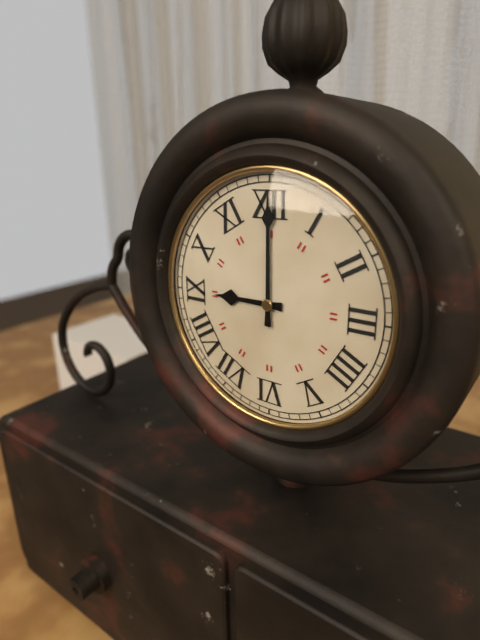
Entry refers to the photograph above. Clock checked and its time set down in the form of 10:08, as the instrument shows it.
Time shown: 9:00
